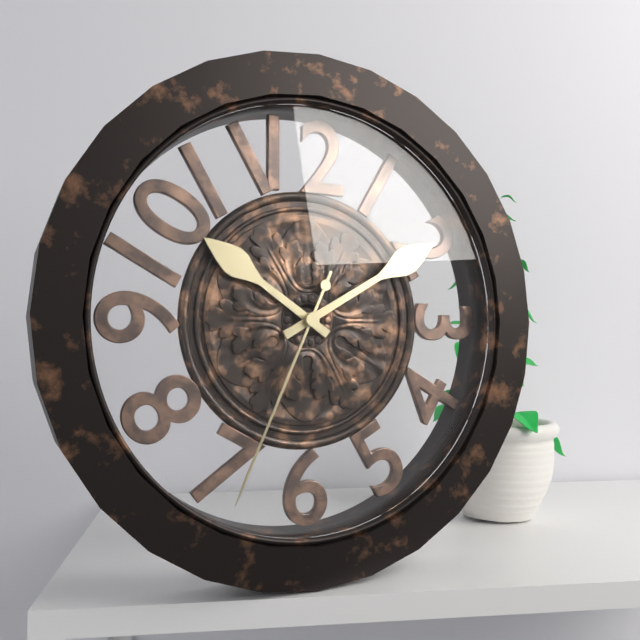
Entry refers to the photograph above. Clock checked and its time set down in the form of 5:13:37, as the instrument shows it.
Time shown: 10:10:34
